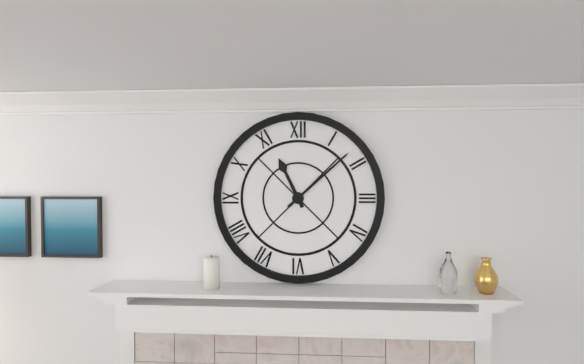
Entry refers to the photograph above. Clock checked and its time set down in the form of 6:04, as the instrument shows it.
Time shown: 11:08
